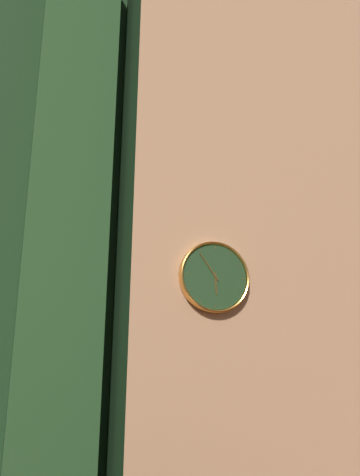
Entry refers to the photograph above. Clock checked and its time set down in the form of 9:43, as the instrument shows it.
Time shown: 5:54
